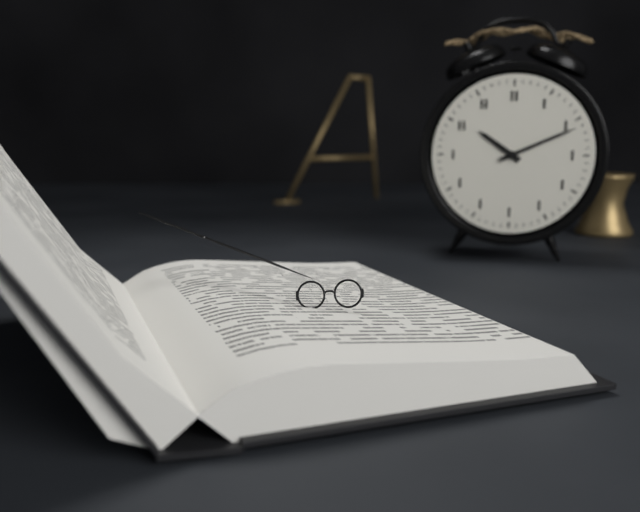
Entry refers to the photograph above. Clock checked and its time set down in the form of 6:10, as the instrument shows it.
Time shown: 10:11
